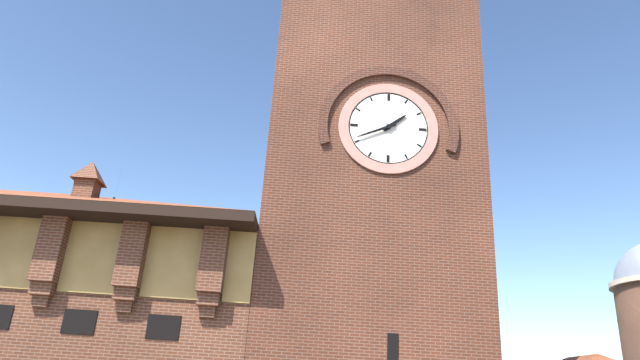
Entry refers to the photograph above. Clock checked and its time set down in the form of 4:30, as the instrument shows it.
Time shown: 1:41
